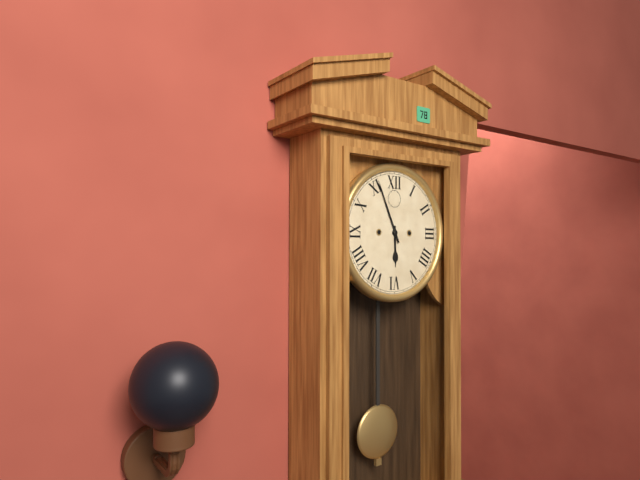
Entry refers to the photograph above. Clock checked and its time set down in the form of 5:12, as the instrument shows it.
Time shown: 5:56
